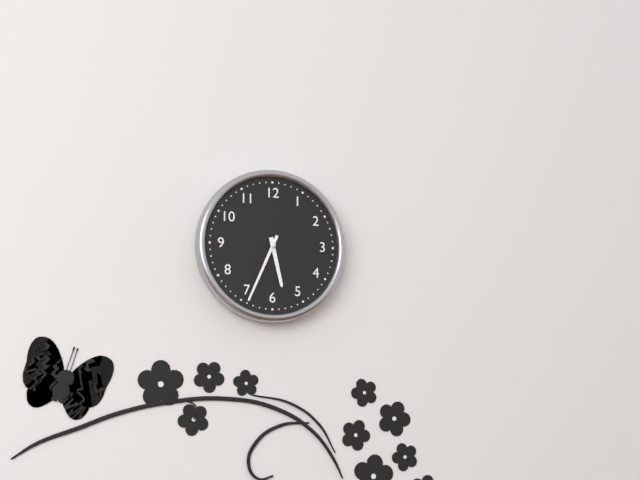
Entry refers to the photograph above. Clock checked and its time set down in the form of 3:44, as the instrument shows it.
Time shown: 5:34
